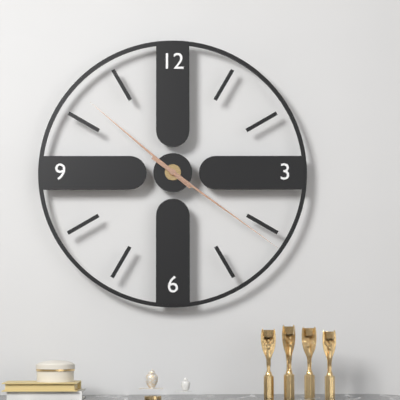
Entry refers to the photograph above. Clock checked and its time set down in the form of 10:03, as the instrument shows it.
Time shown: 10:21
